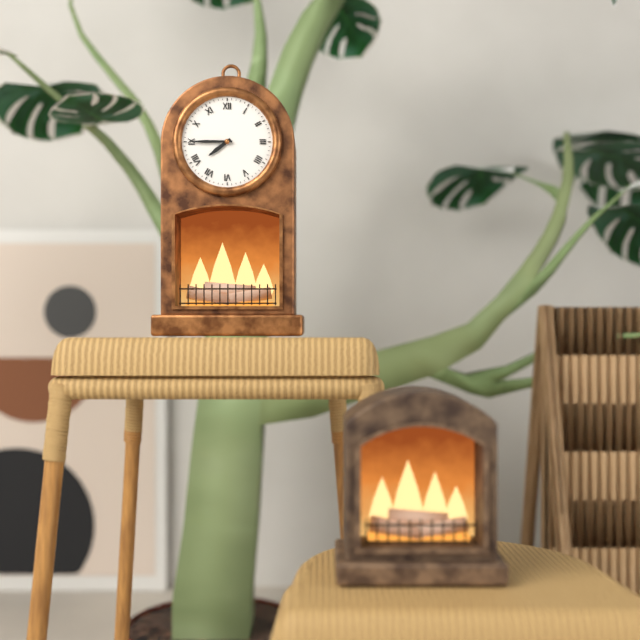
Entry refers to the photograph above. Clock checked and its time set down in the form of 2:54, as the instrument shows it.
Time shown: 7:45
